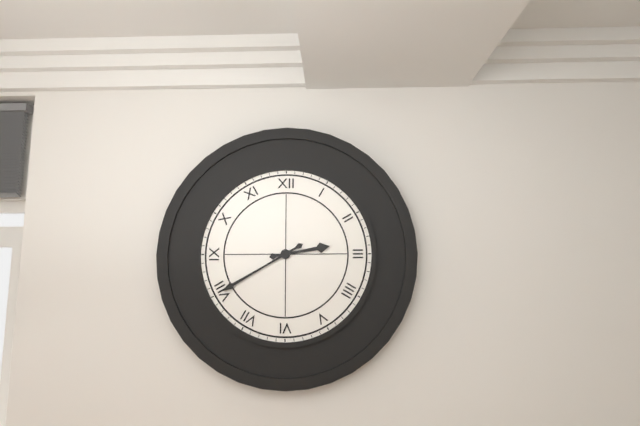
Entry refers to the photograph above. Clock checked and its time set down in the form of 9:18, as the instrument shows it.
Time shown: 2:40
